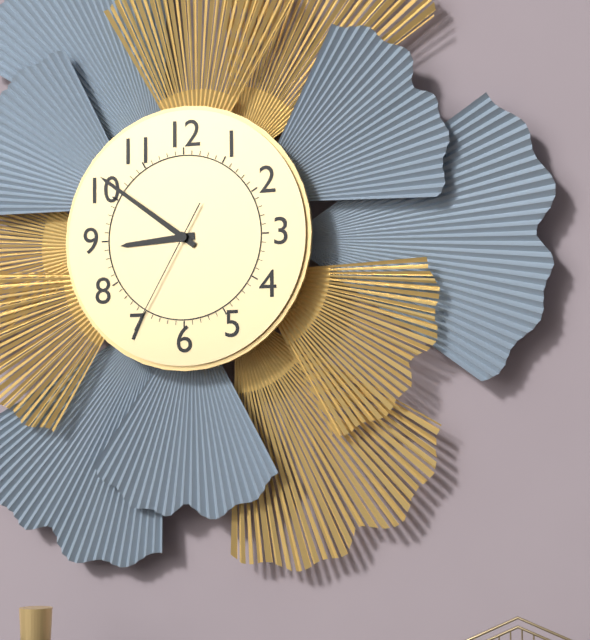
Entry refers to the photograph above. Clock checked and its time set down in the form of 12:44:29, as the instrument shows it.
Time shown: 8:51:35
